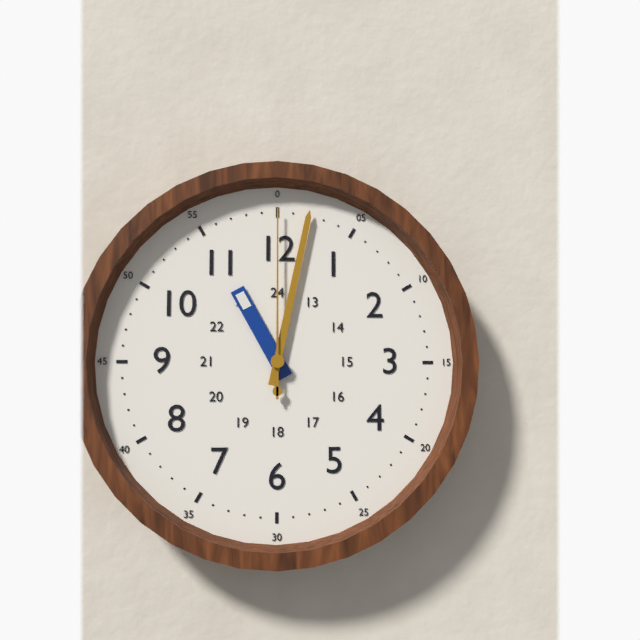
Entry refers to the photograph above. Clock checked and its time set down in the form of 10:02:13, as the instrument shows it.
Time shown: 11:02:00
